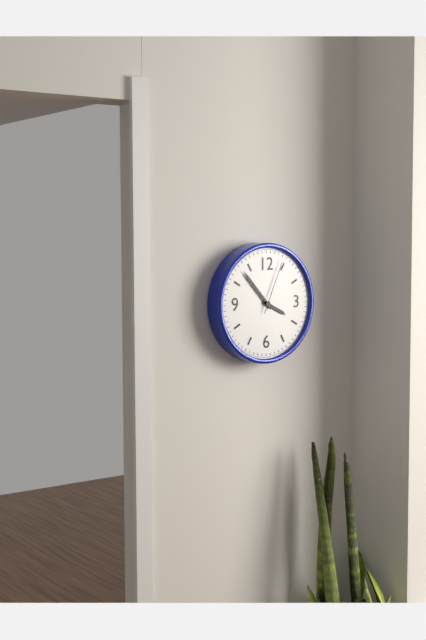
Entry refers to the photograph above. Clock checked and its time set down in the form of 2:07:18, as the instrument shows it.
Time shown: 3:53:04
